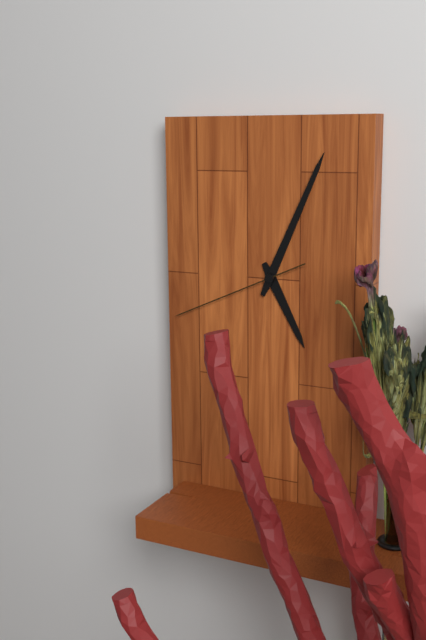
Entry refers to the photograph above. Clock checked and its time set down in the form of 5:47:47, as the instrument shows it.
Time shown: 5:04:41
